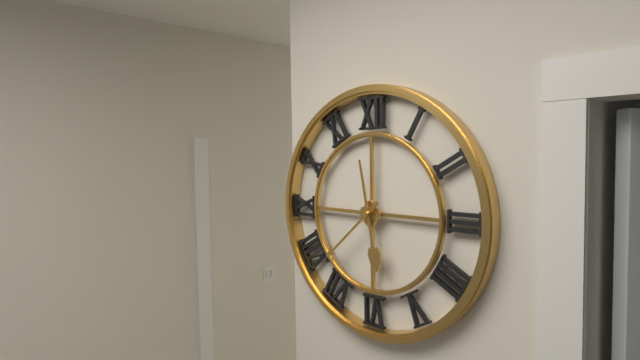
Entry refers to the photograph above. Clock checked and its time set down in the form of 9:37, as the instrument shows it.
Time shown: 5:38
